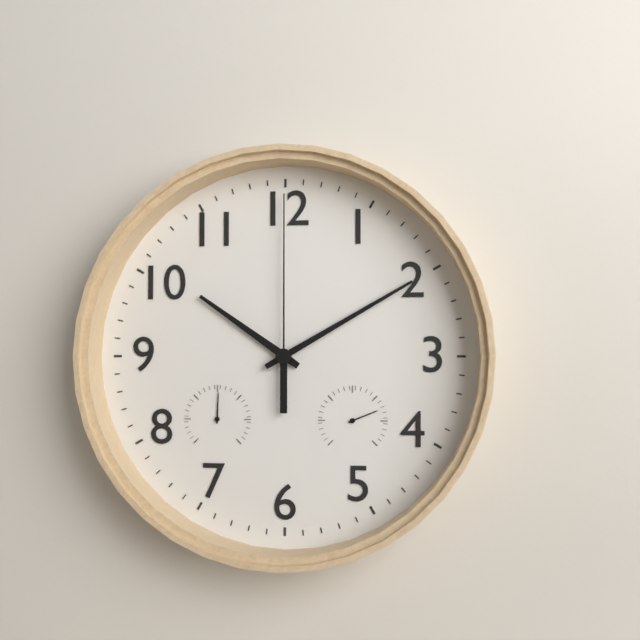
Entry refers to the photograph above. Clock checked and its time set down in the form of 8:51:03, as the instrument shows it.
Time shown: 10:10:00
